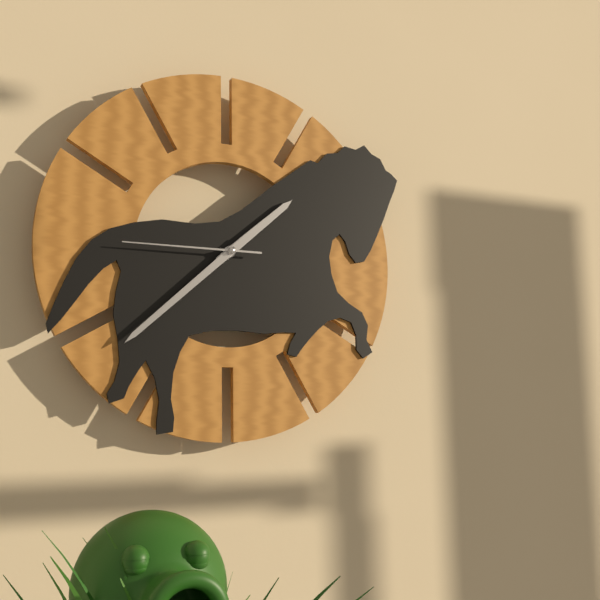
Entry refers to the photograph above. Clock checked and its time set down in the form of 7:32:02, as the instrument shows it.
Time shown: 1:38:45
